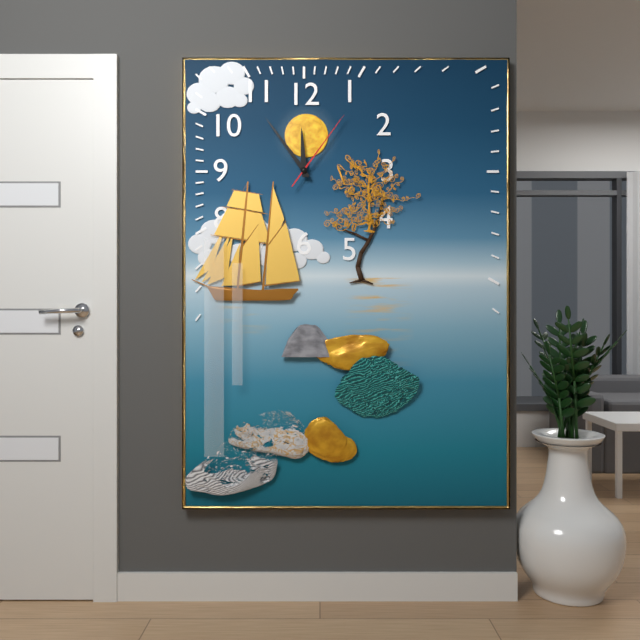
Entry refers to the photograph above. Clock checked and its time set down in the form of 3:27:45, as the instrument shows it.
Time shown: 11:54:06
